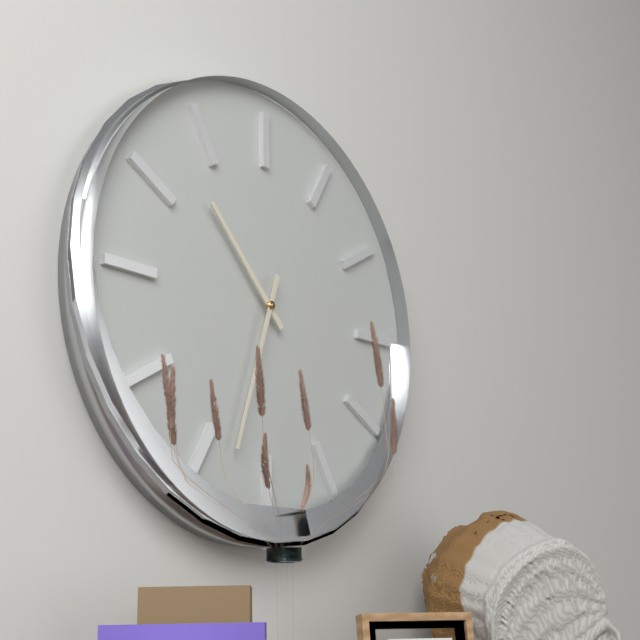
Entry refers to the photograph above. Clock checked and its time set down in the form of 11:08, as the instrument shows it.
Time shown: 10:33
